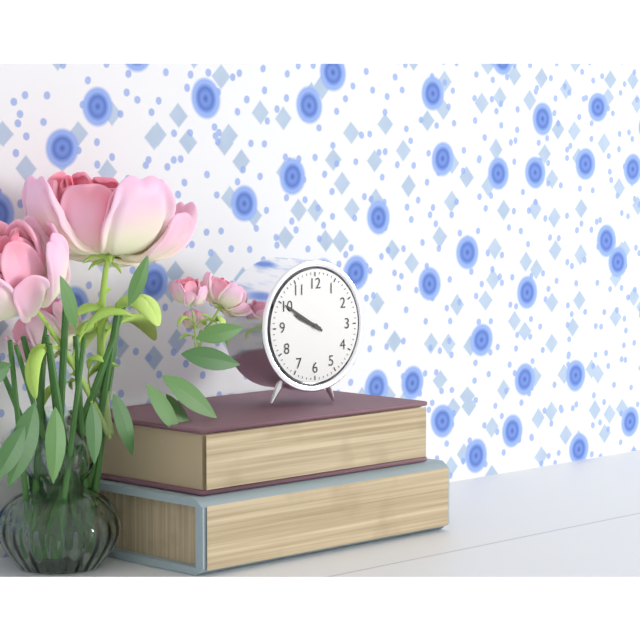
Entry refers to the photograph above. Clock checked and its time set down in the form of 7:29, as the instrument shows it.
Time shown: 9:50
